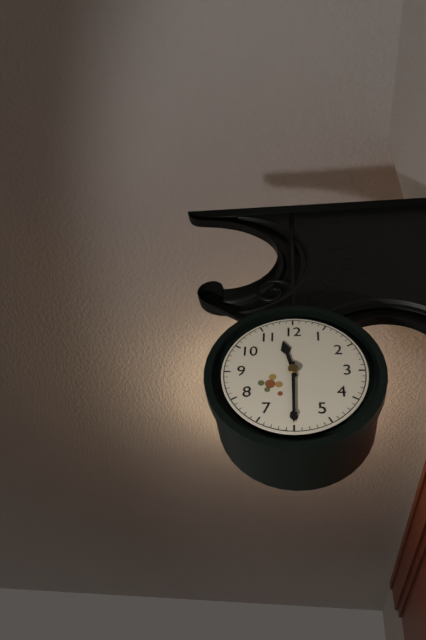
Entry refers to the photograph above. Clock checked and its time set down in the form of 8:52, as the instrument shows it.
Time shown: 11:30
